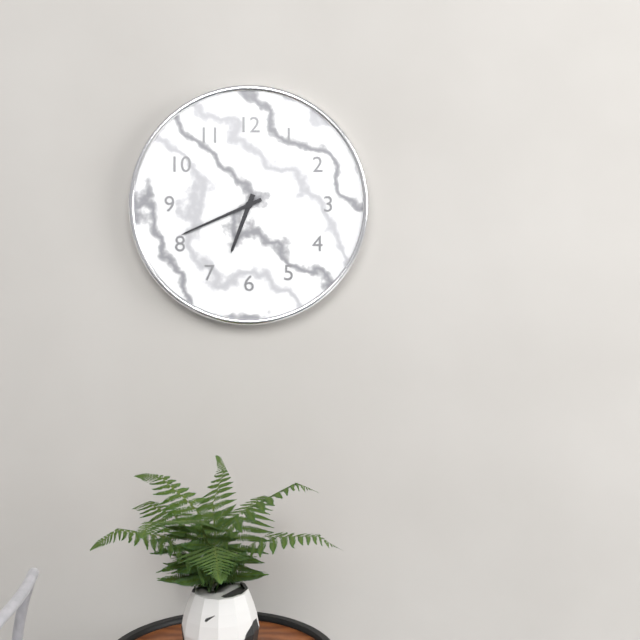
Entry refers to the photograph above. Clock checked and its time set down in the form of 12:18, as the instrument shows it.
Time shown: 6:41
